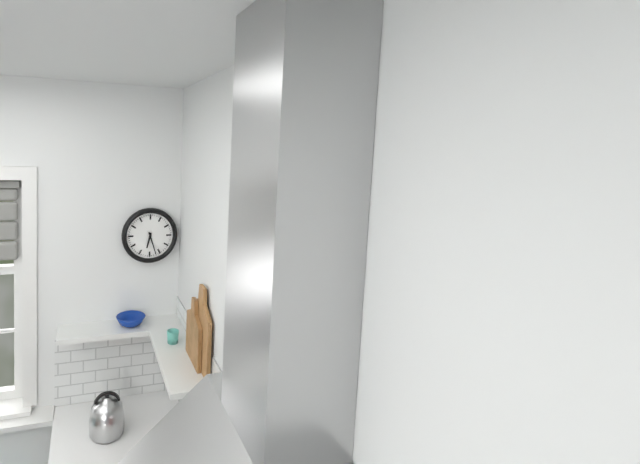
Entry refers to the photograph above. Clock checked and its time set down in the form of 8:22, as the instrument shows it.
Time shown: 6:27
